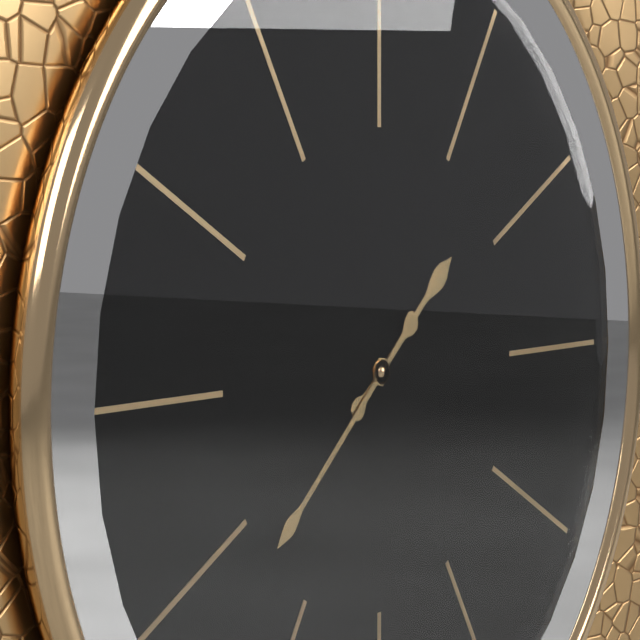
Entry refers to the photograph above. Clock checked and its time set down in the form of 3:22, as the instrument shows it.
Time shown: 1:38
